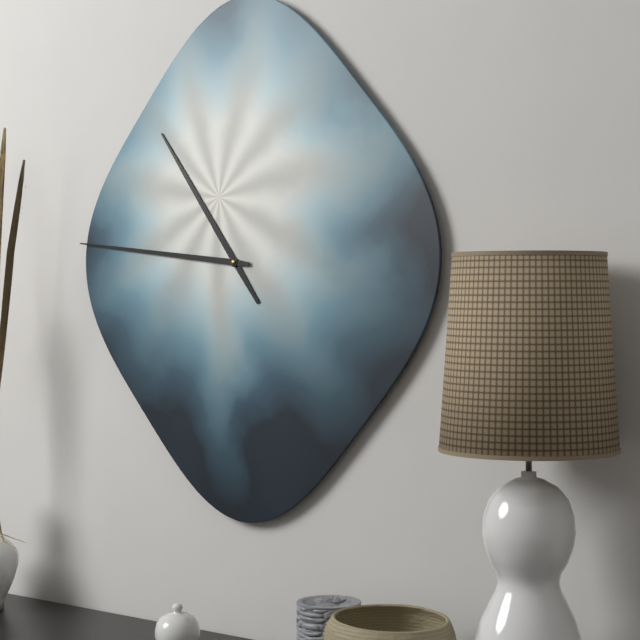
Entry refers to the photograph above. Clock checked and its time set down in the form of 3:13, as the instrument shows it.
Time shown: 10:46
